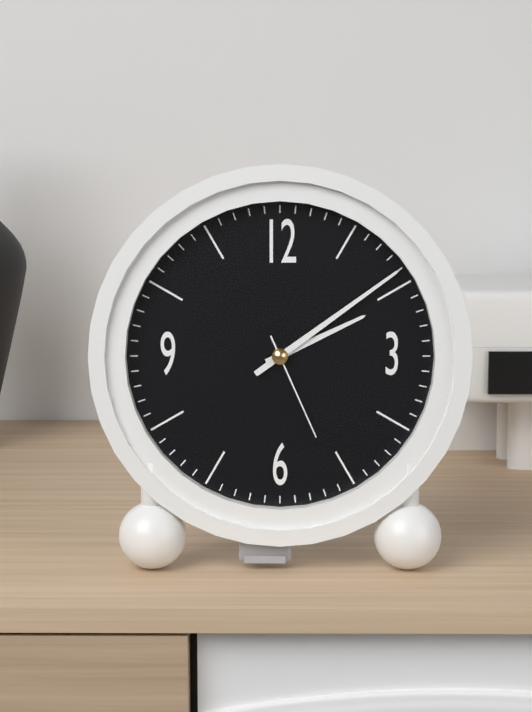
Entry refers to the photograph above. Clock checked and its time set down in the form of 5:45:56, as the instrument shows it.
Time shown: 2:09:26
